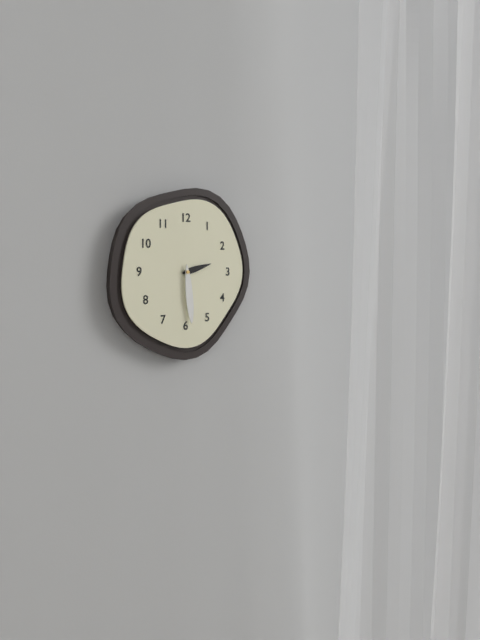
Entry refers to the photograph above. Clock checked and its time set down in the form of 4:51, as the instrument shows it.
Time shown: 2:29
